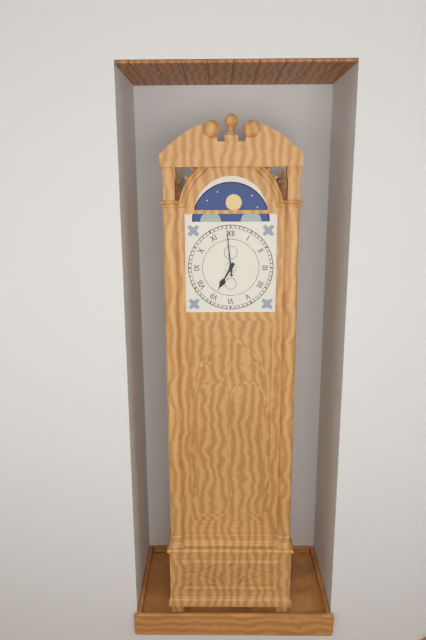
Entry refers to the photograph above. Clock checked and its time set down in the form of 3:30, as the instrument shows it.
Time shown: 6:59
